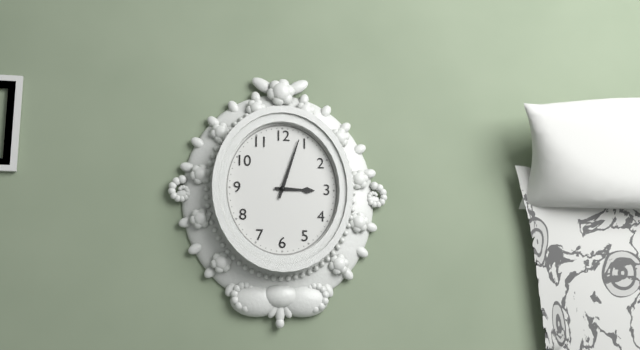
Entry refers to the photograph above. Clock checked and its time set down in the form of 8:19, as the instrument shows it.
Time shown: 3:03
